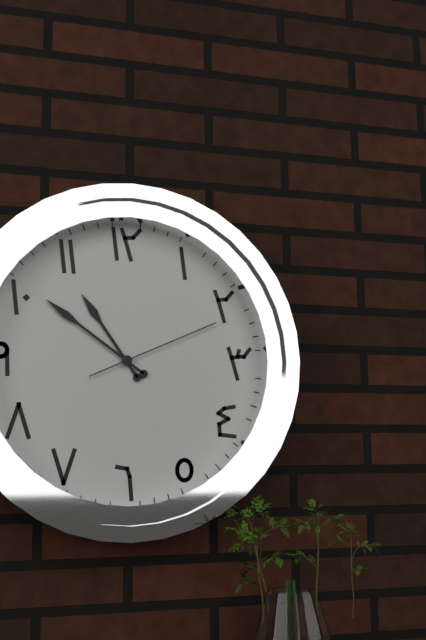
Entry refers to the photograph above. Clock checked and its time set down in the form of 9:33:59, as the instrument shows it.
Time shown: 10:51:11
